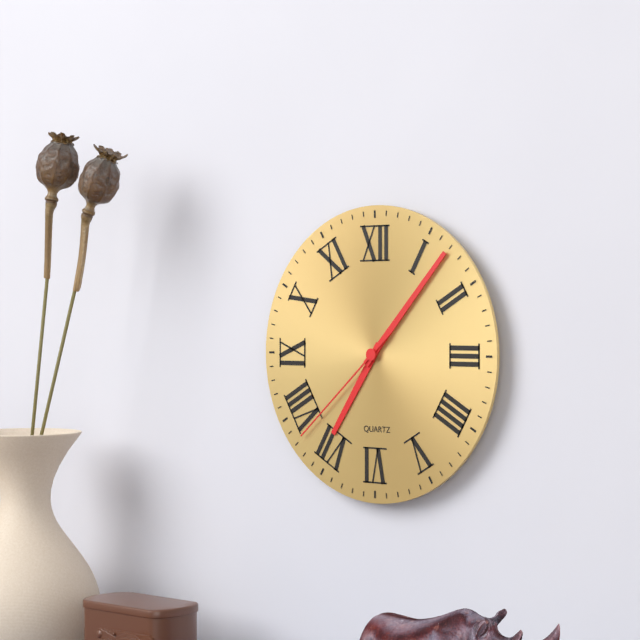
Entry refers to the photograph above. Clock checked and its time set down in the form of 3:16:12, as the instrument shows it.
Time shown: 7:07:38
